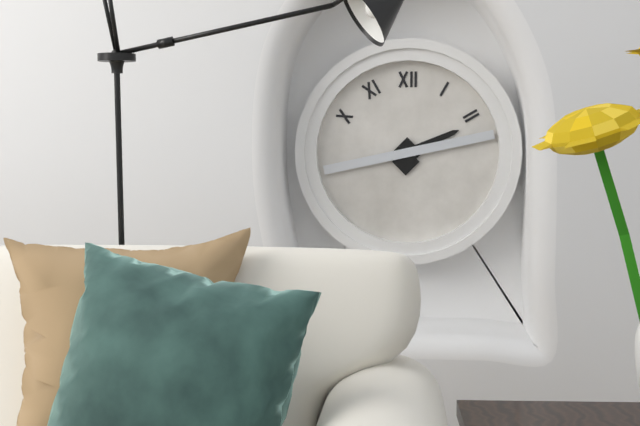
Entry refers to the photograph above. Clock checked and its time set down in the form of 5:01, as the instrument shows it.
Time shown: 2:13
